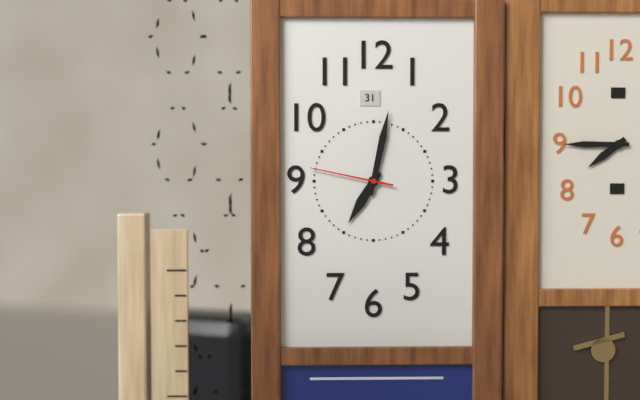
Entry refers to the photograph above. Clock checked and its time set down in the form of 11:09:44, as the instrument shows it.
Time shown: 7:02:47
